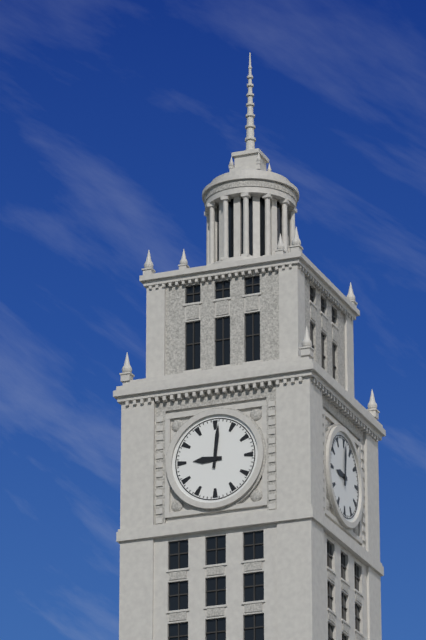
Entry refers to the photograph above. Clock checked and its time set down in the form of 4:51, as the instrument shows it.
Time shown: 9:01
